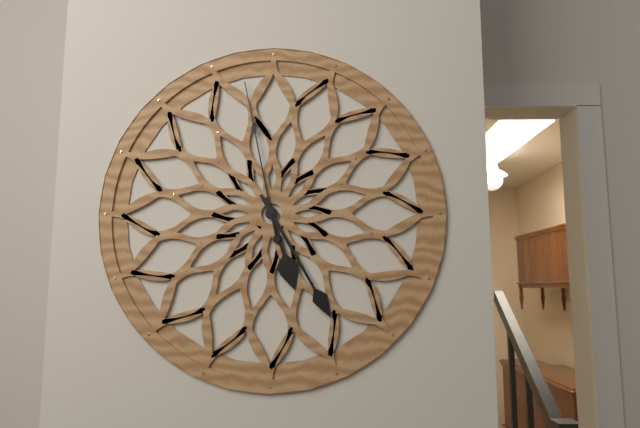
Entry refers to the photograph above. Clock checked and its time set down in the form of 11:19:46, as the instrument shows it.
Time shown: 5:25:58
